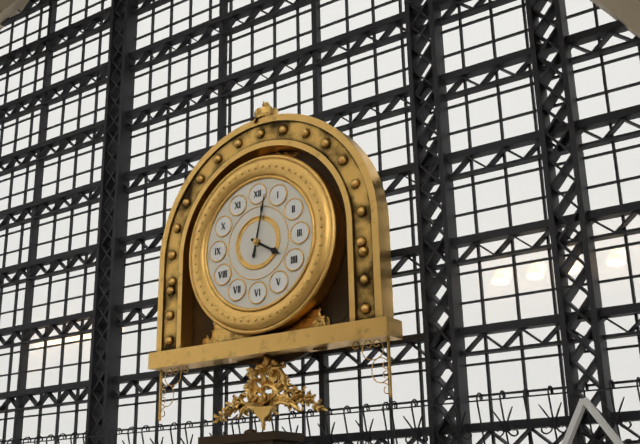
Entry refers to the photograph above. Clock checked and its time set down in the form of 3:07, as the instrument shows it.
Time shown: 4:02
